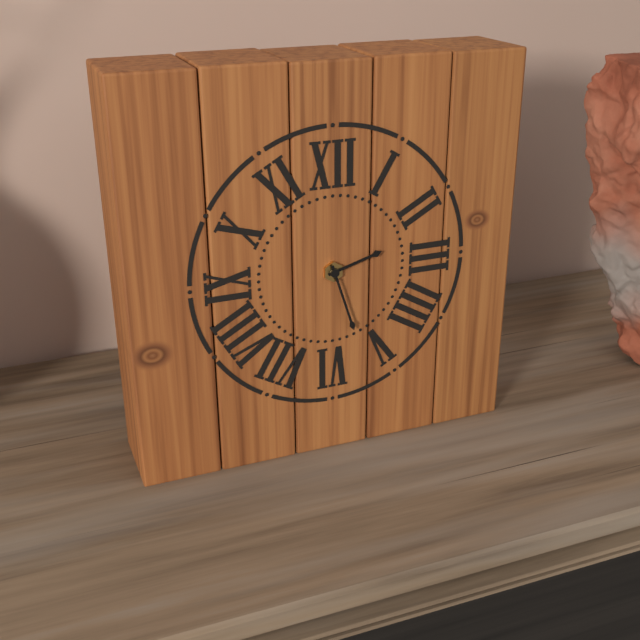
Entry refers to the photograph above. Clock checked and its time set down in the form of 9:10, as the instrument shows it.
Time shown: 2:27
